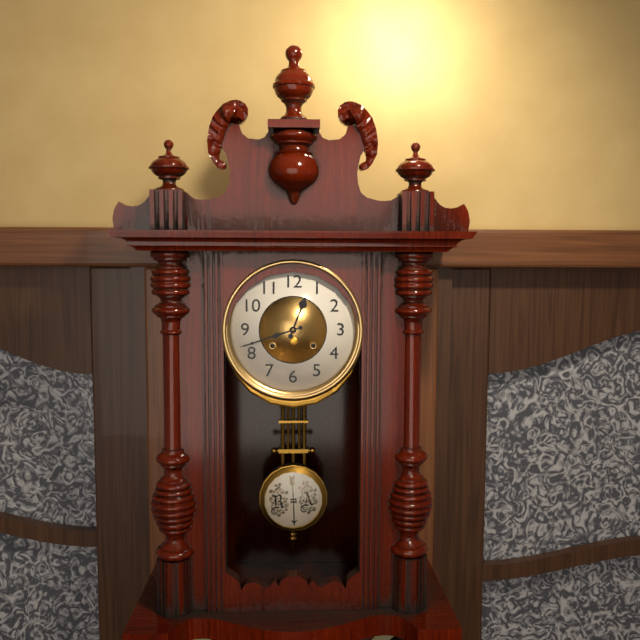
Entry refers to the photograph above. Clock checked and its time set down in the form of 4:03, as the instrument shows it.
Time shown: 12:42
